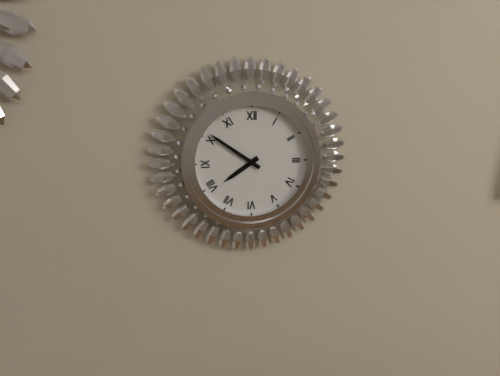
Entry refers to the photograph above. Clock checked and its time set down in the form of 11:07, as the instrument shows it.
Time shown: 7:51
